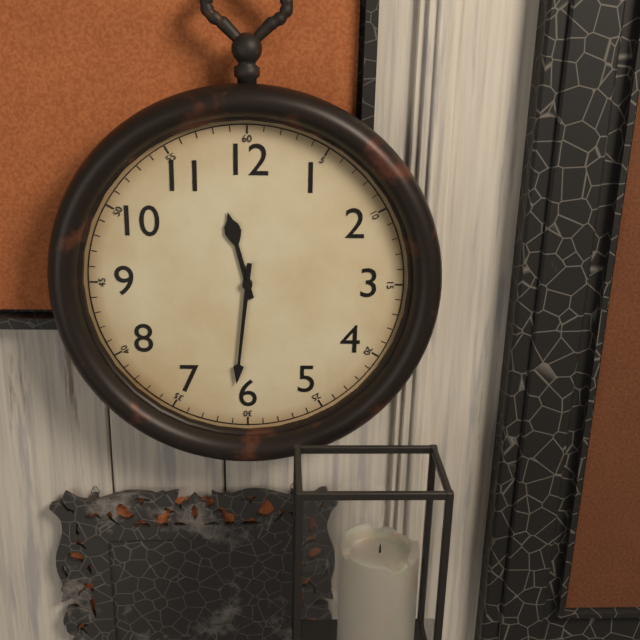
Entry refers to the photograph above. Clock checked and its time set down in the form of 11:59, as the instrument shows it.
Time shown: 11:31
